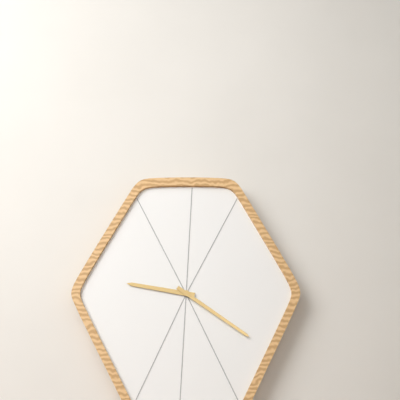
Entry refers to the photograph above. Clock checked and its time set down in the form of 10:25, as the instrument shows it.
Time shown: 9:21
